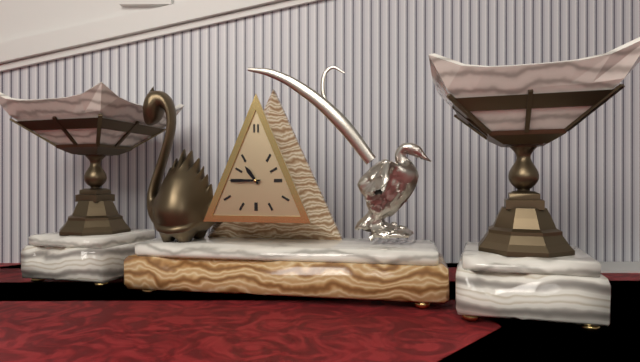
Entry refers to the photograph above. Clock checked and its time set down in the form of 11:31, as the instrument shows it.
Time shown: 10:45
